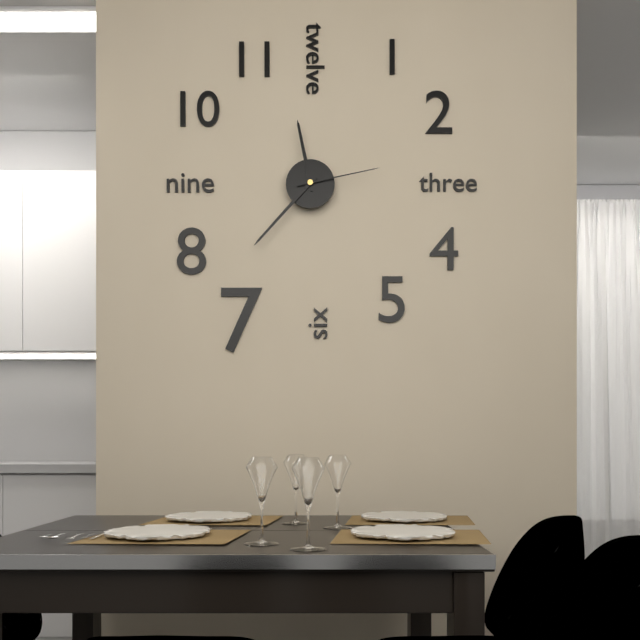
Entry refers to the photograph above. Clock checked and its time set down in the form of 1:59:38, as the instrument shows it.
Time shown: 11:37:13
